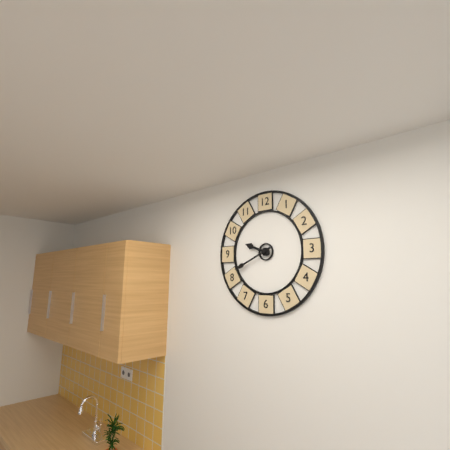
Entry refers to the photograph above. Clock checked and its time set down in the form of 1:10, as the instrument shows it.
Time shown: 9:41
